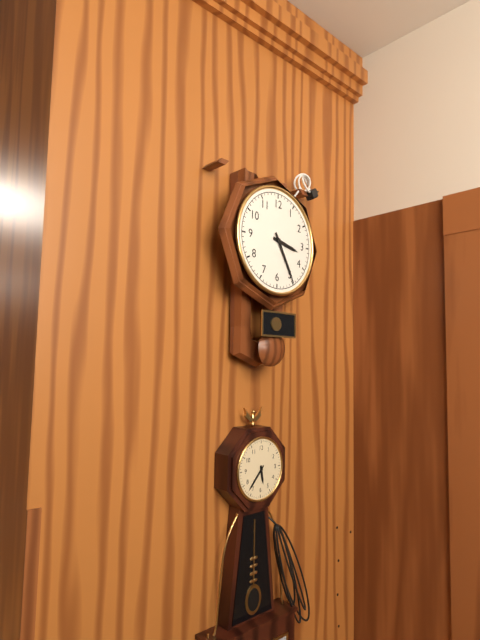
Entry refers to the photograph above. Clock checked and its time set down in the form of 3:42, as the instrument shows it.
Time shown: 3:25
